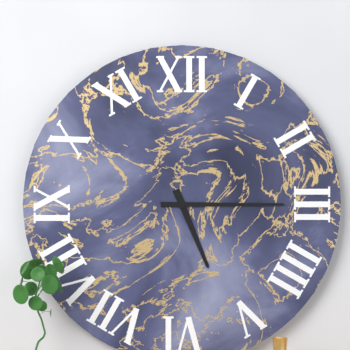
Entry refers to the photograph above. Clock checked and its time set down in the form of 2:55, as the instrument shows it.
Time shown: 5:15
